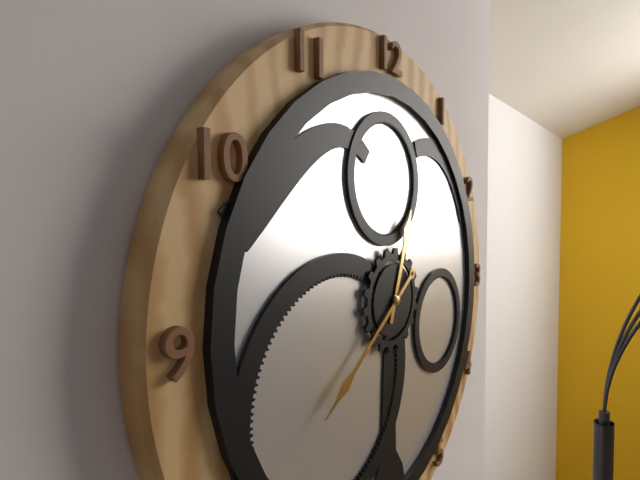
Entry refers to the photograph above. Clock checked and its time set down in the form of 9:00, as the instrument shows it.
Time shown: 12:39
